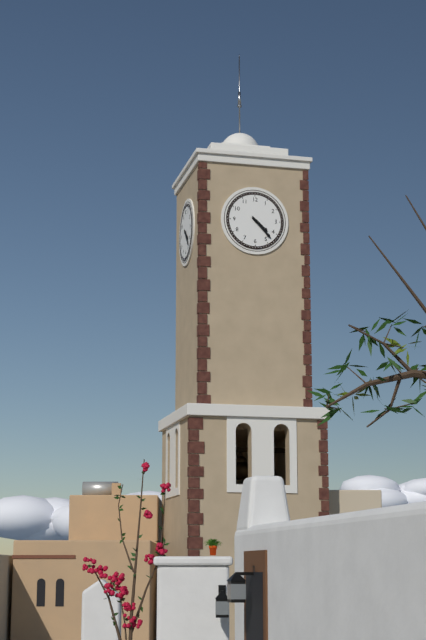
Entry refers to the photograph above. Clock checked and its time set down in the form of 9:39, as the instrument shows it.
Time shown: 4:23
